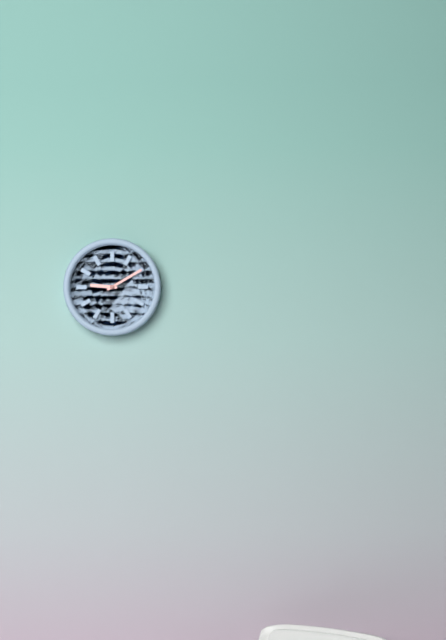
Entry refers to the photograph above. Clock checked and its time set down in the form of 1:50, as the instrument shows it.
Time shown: 9:10
